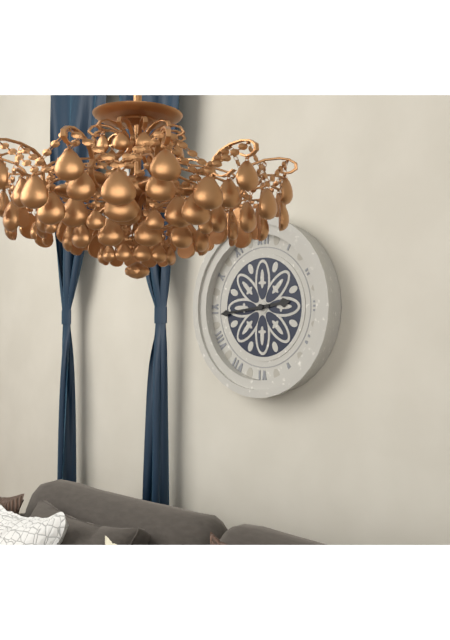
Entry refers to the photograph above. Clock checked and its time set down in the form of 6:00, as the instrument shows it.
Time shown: 2:44
